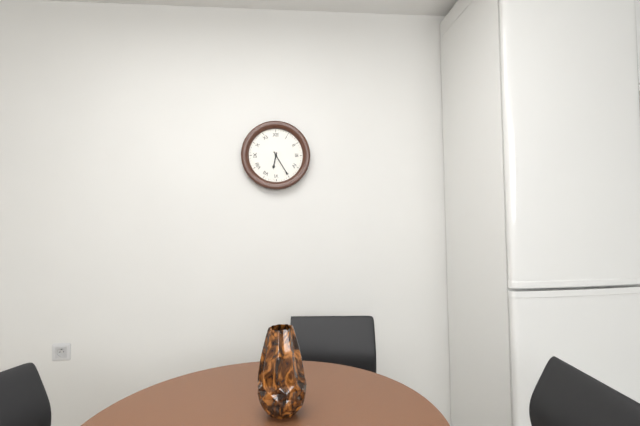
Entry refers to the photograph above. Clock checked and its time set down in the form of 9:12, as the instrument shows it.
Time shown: 6:25
